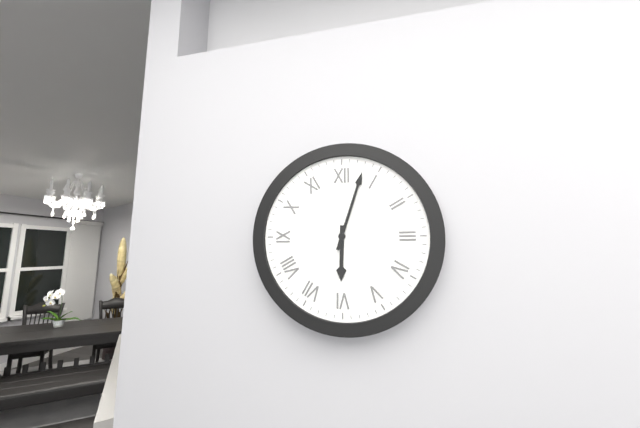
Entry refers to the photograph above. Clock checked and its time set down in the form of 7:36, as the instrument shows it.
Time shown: 6:03
